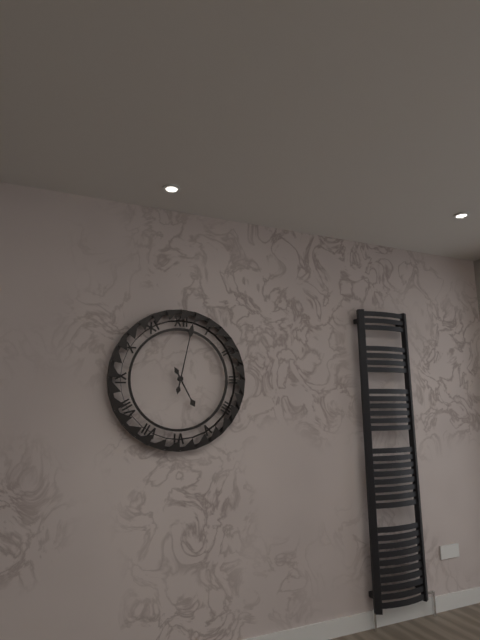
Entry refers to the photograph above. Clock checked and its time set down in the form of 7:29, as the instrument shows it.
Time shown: 5:02
